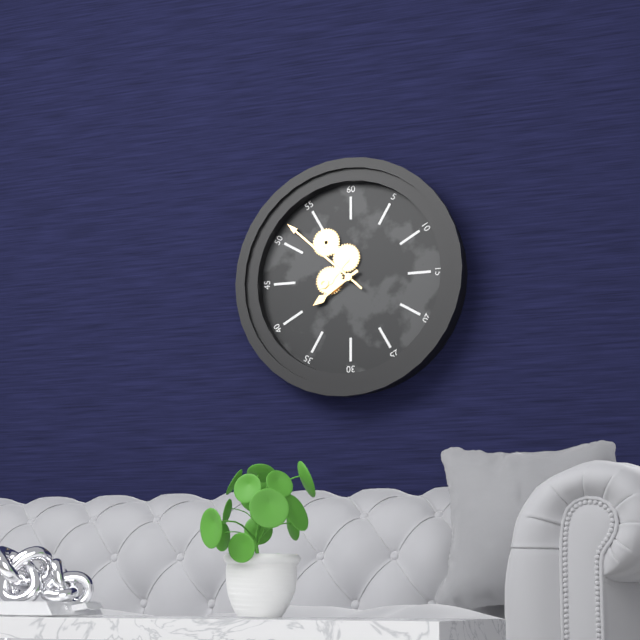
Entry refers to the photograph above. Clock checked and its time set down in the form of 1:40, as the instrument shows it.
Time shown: 7:52
